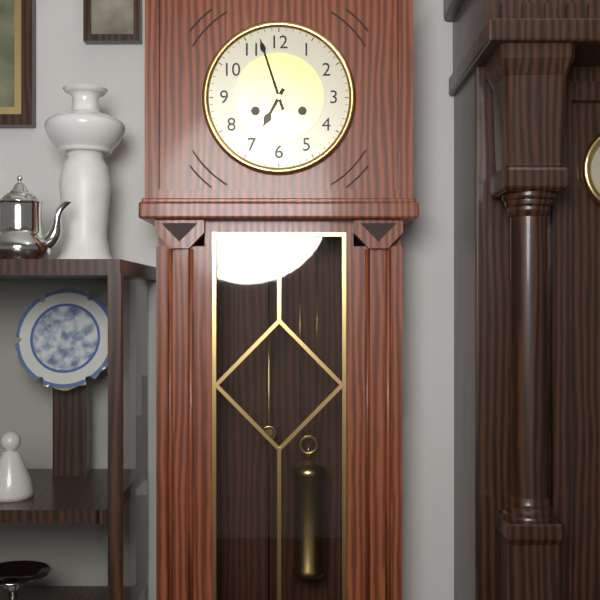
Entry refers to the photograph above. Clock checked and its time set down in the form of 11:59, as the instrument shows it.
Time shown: 6:57
